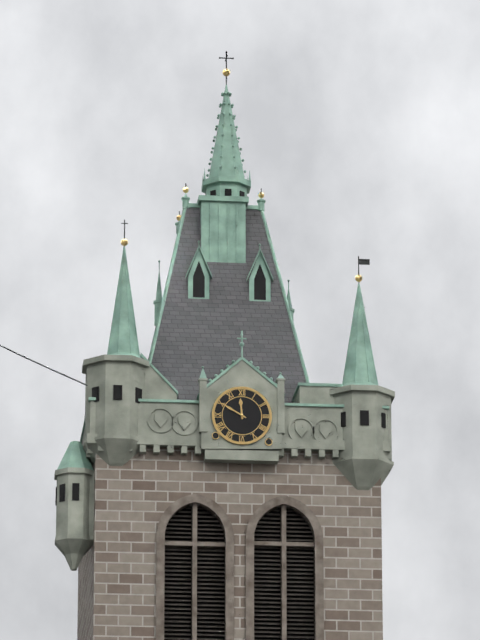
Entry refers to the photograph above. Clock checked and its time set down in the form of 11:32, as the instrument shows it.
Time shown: 11:50
